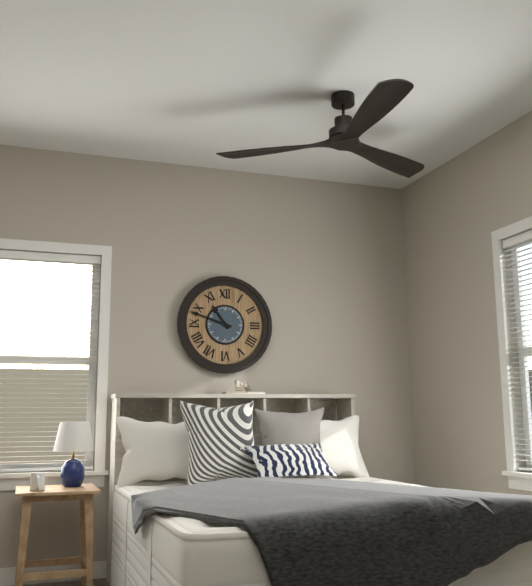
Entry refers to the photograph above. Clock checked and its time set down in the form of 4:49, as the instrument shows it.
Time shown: 10:48
